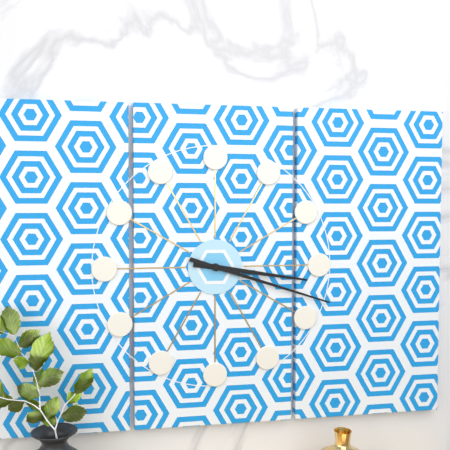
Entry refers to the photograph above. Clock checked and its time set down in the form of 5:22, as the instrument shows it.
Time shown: 3:18
